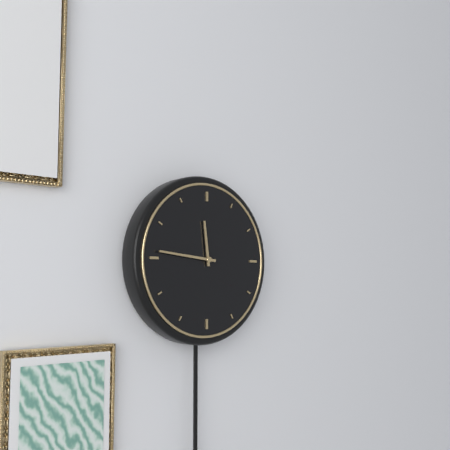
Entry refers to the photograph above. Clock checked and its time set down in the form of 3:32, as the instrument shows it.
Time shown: 11:46
